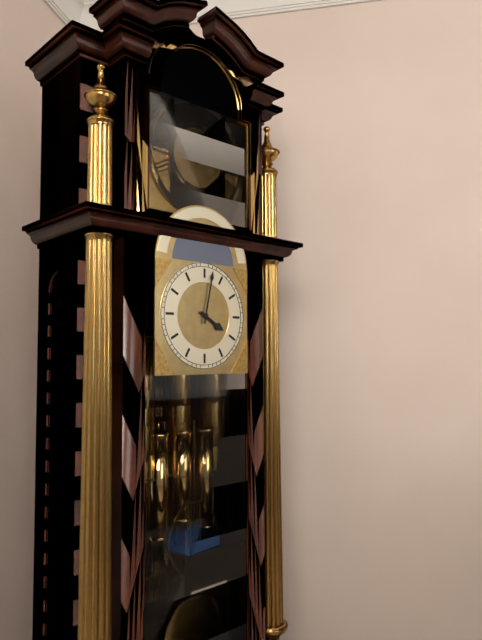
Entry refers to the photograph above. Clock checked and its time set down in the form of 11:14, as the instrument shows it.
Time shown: 4:02
